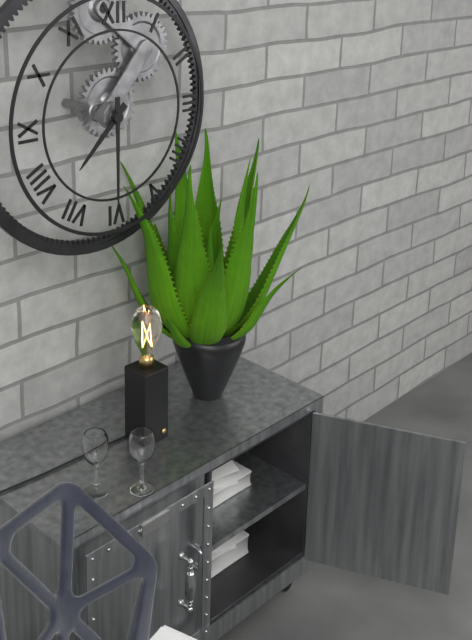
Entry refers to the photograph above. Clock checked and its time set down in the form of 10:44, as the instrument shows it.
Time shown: 7:30
